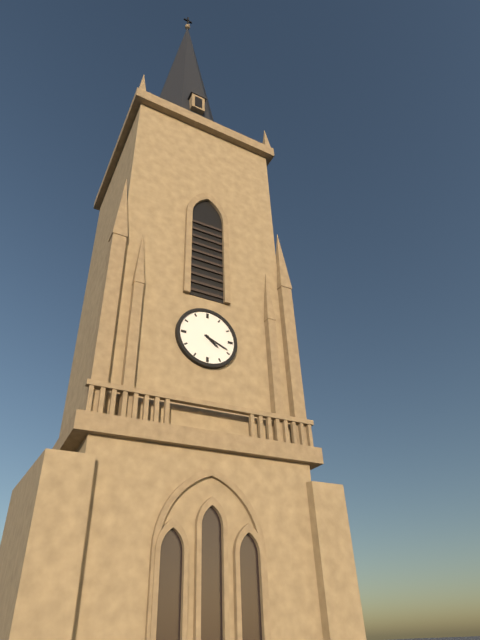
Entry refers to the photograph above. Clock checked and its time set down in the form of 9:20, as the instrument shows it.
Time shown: 4:19
